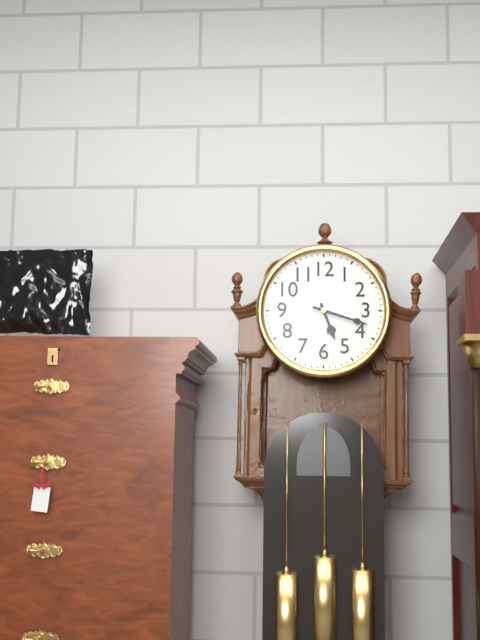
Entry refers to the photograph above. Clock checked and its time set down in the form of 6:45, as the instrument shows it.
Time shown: 5:18
